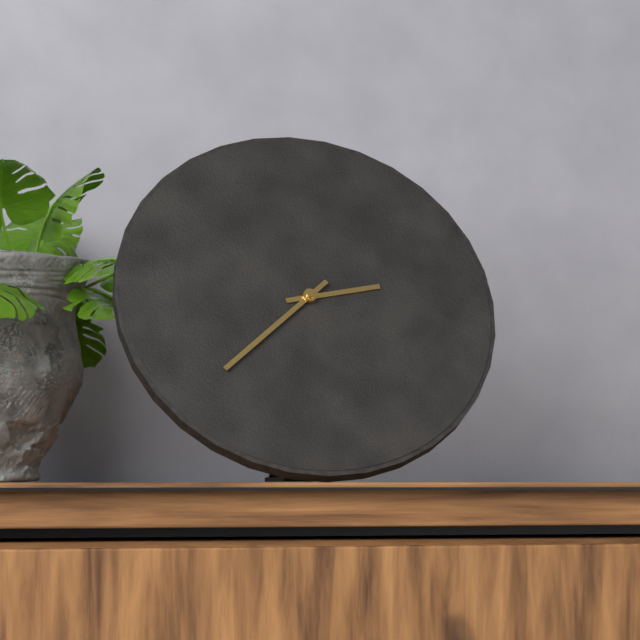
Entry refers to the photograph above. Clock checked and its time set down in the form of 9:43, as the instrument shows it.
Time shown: 2:38
